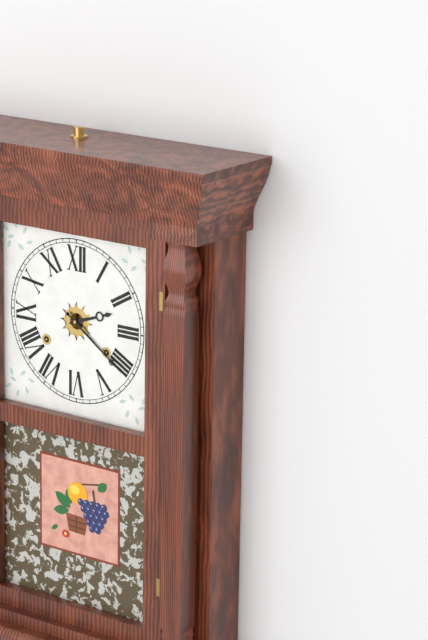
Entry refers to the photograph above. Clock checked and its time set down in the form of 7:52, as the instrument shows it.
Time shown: 2:21
